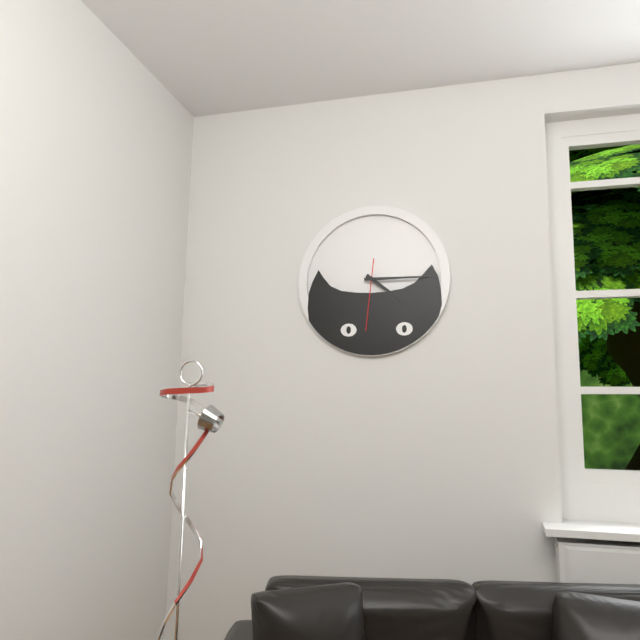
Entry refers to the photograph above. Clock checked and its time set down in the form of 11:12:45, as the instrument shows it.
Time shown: 4:15:31
